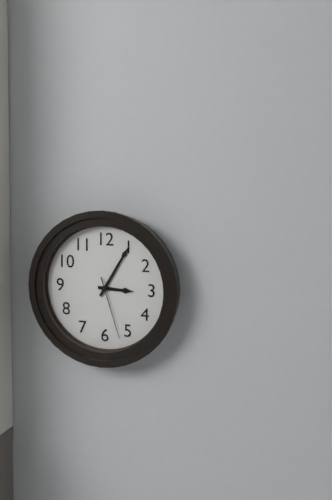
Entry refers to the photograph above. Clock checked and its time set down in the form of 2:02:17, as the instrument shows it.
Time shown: 3:05:27
